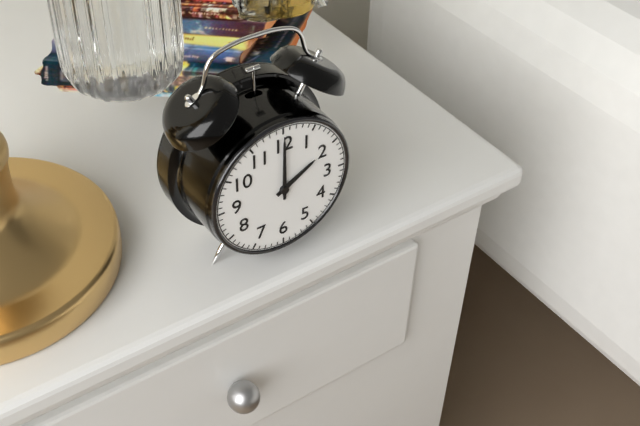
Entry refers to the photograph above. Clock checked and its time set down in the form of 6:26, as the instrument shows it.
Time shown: 2:00
